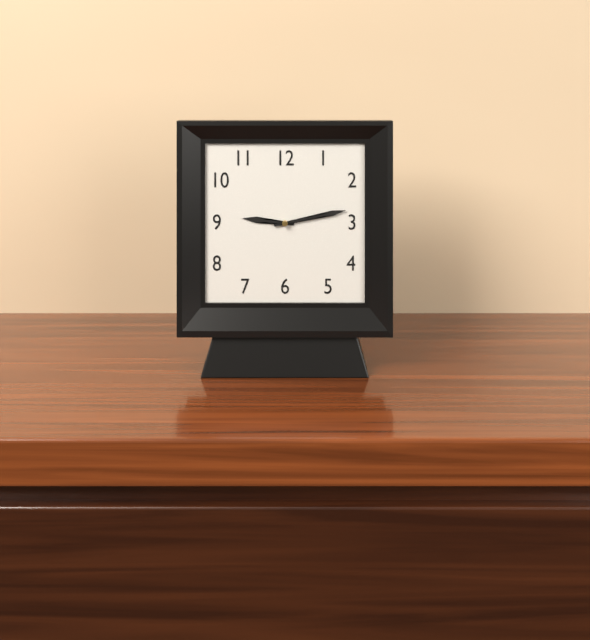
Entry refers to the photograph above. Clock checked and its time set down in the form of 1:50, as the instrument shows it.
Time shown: 9:13
